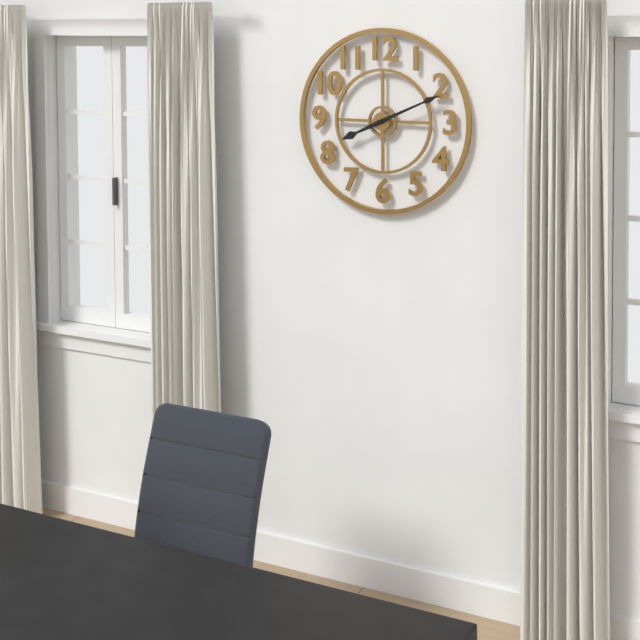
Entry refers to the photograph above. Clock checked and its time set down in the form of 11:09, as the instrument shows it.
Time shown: 8:11
